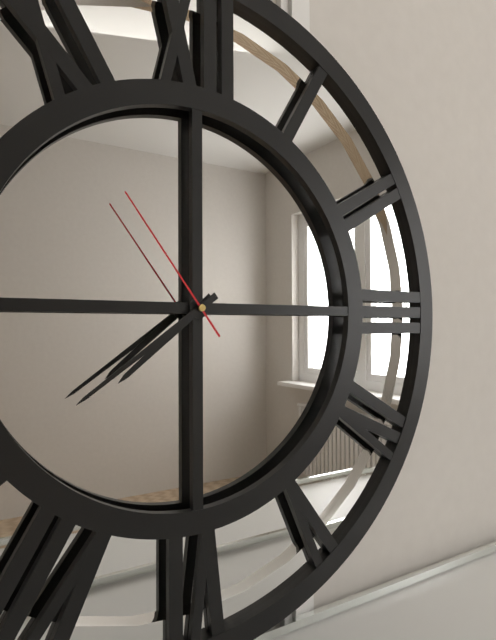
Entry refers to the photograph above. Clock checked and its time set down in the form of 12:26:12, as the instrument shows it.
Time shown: 7:39:54
